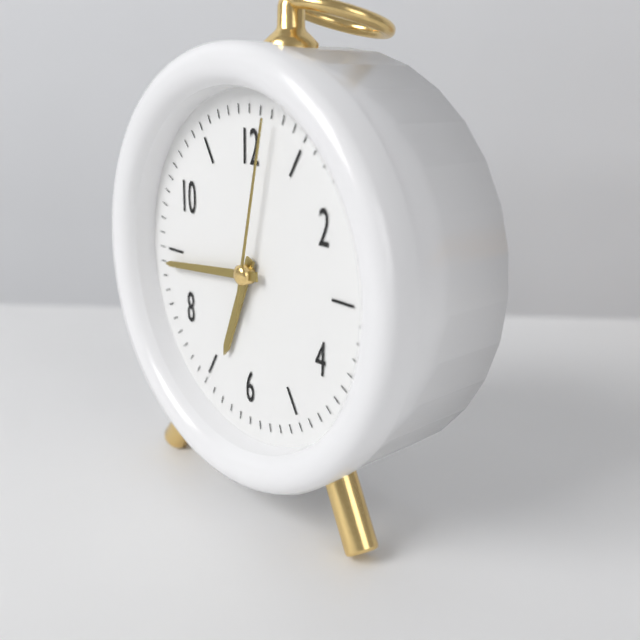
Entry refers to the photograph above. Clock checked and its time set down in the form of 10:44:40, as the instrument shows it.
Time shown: 6:44:02
